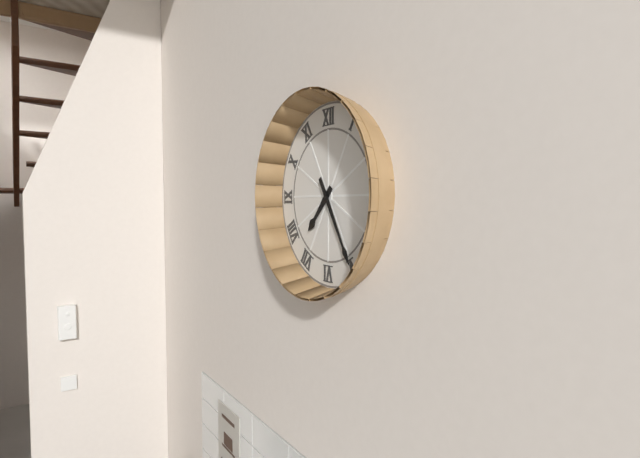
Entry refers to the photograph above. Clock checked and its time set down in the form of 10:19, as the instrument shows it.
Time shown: 7:25
